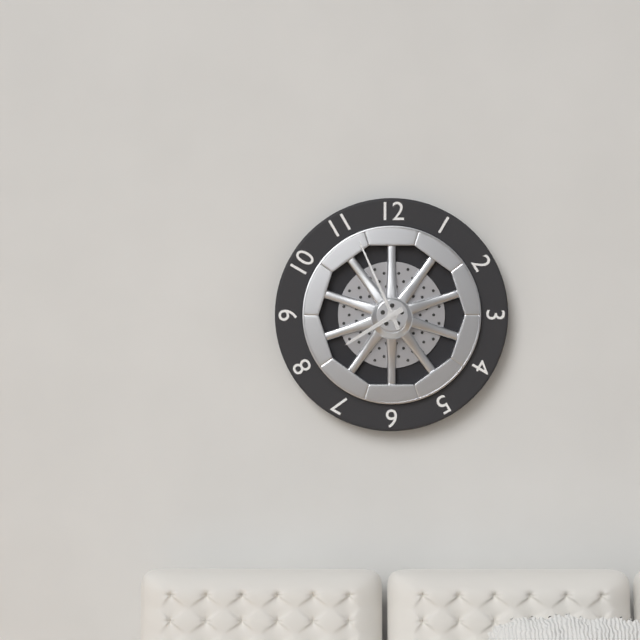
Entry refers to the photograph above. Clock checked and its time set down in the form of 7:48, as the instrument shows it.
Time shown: 7:56
